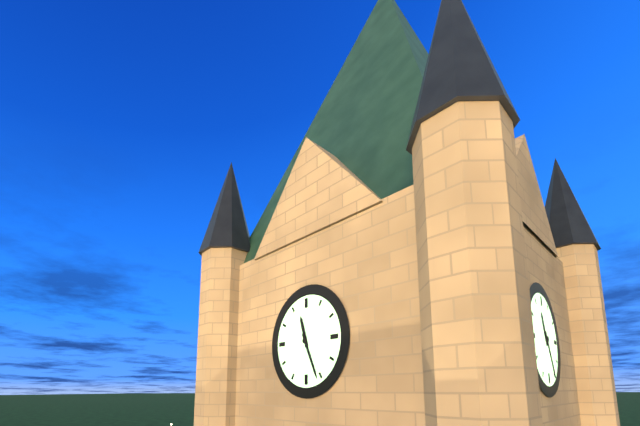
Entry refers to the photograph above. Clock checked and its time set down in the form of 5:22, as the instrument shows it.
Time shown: 11:26
